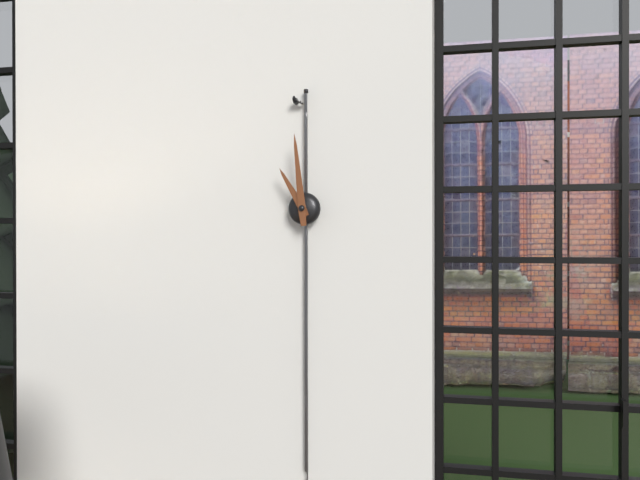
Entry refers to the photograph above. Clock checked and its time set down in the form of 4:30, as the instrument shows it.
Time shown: 10:59
